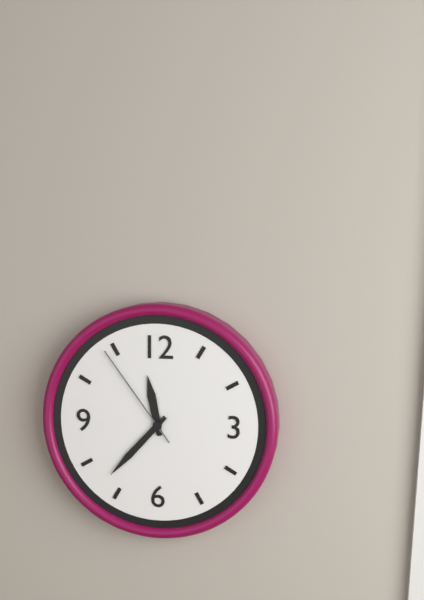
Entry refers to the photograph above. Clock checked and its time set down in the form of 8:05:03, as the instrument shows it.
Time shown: 11:37:54
